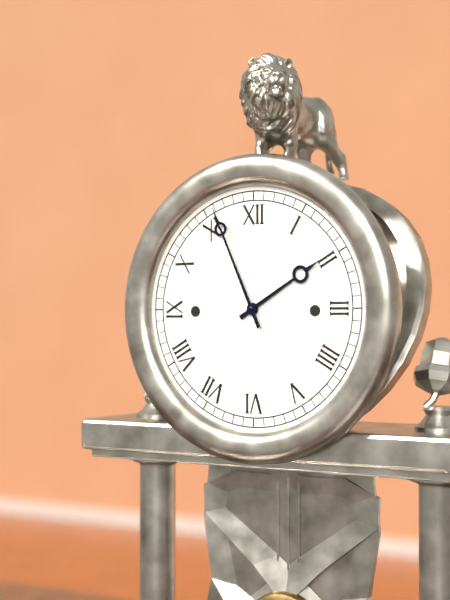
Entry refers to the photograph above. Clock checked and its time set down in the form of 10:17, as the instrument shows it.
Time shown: 1:56
